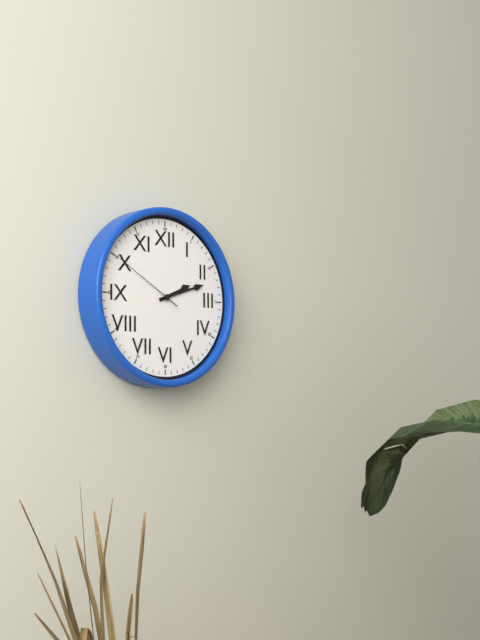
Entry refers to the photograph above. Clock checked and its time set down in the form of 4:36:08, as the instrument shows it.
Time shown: 2:12:50
